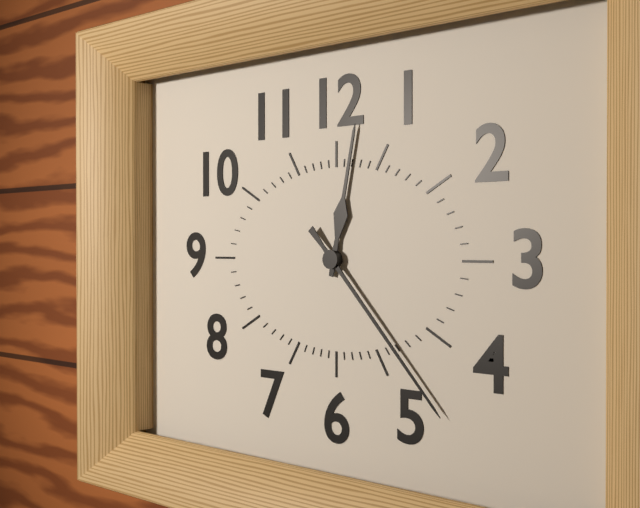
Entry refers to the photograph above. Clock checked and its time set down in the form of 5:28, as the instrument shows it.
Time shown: 12:23
